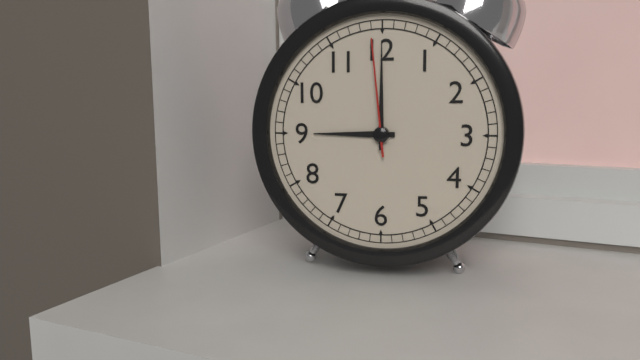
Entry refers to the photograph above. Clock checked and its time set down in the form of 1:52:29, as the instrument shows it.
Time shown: 9:00:59
